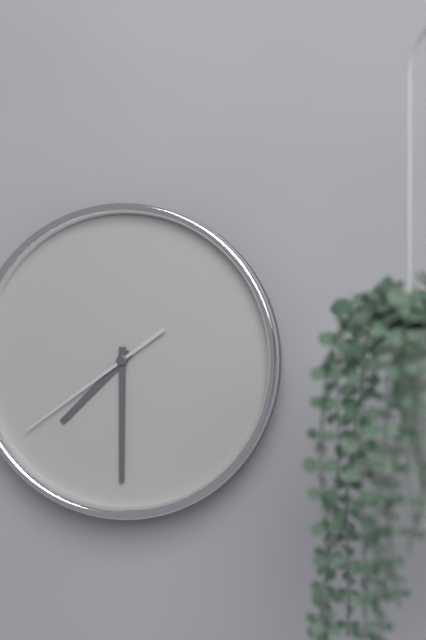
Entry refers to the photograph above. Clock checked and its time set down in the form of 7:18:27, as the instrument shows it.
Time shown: 7:30:39
